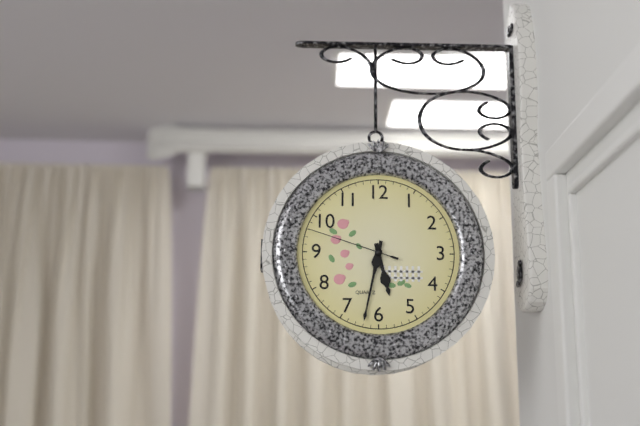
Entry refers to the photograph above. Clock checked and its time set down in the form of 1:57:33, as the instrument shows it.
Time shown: 5:32:48
